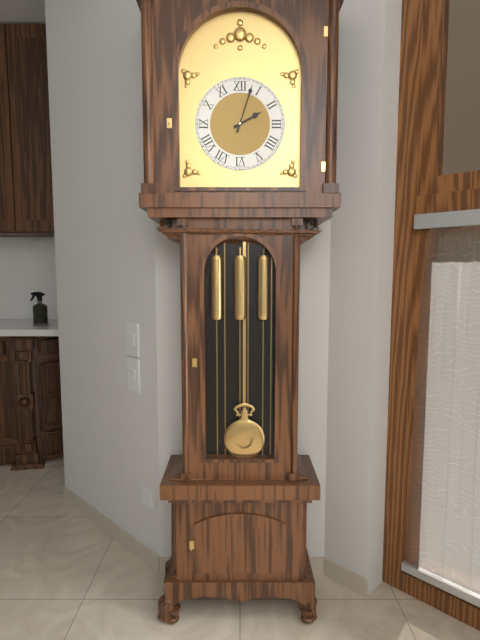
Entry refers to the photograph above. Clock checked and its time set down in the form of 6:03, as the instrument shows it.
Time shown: 2:03
